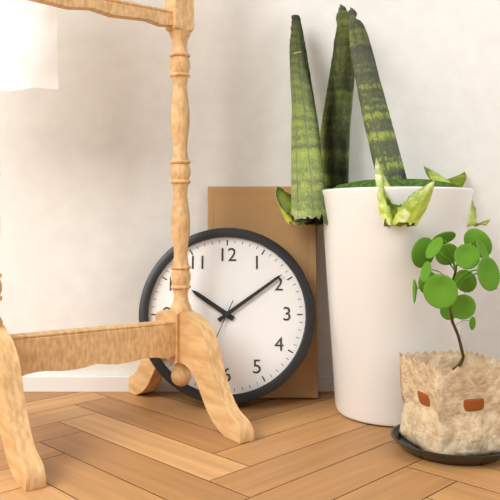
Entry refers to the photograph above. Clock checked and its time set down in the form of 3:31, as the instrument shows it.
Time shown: 10:09
